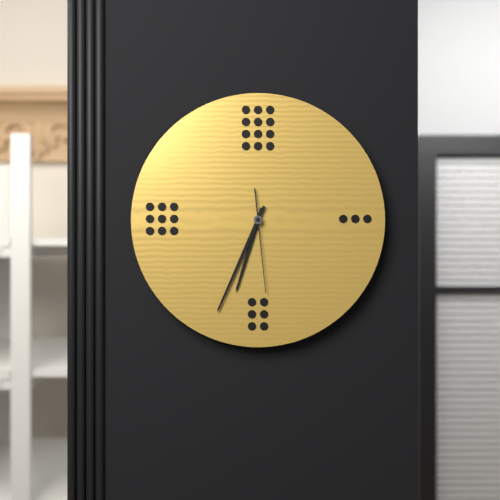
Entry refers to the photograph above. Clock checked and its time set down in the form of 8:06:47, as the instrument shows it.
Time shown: 6:34:29
